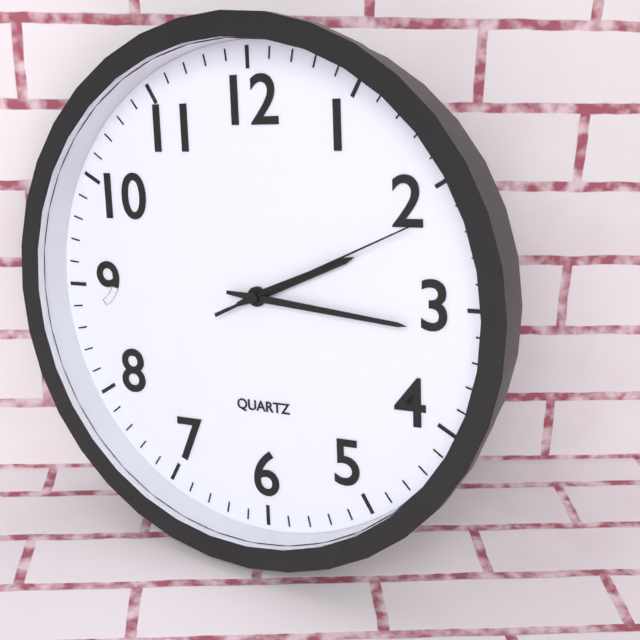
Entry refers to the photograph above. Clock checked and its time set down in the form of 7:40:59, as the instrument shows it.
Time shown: 2:16:11
